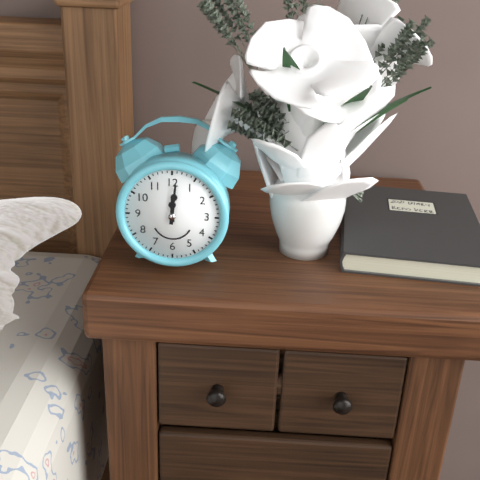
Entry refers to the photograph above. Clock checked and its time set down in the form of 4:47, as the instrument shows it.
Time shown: 12:01
